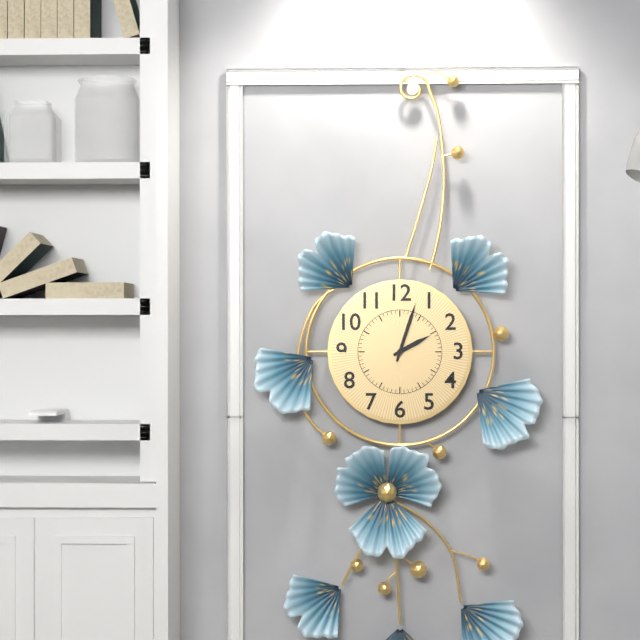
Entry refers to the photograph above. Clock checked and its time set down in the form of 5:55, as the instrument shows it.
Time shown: 2:03
